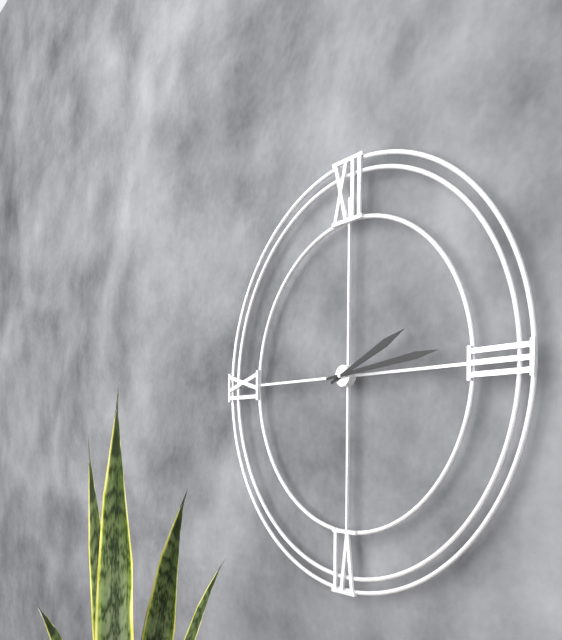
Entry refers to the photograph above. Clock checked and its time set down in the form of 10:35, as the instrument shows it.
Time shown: 2:14
